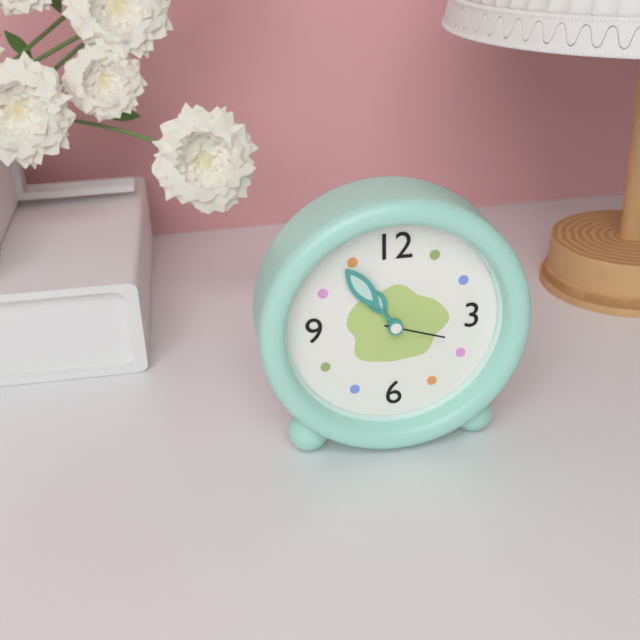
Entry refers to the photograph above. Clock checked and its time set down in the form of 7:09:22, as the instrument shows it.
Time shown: 10:54:18
